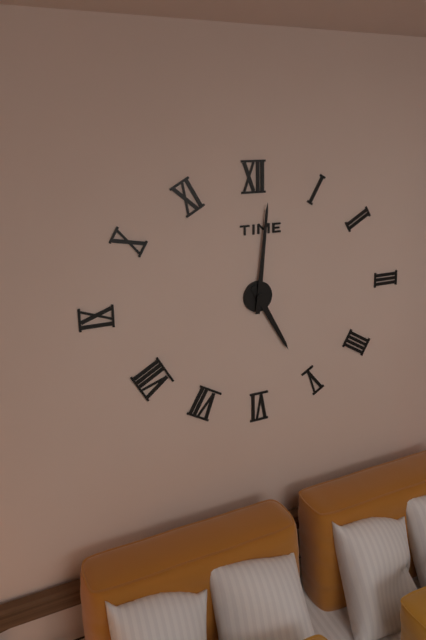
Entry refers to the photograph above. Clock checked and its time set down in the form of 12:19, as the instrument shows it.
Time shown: 5:01
